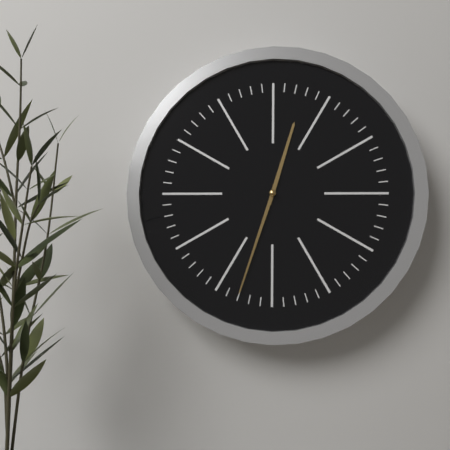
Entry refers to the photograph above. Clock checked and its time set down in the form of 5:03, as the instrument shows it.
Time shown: 12:33
